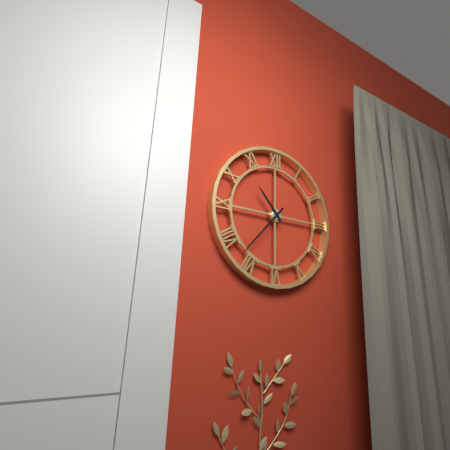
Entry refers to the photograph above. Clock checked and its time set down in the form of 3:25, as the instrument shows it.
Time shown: 10:37
